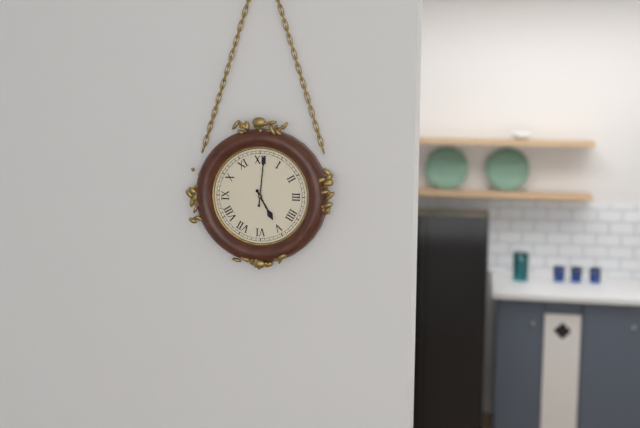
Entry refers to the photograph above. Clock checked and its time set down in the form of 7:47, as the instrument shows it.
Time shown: 5:01
